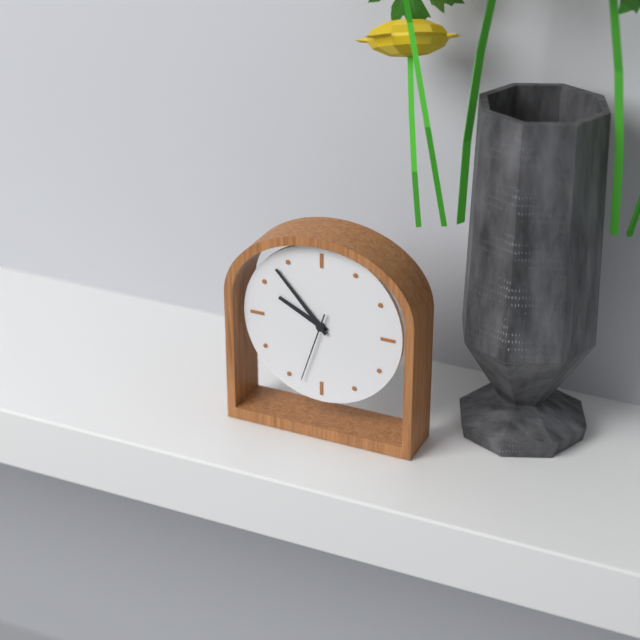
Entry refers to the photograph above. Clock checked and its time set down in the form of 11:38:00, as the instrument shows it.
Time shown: 9:53:33
